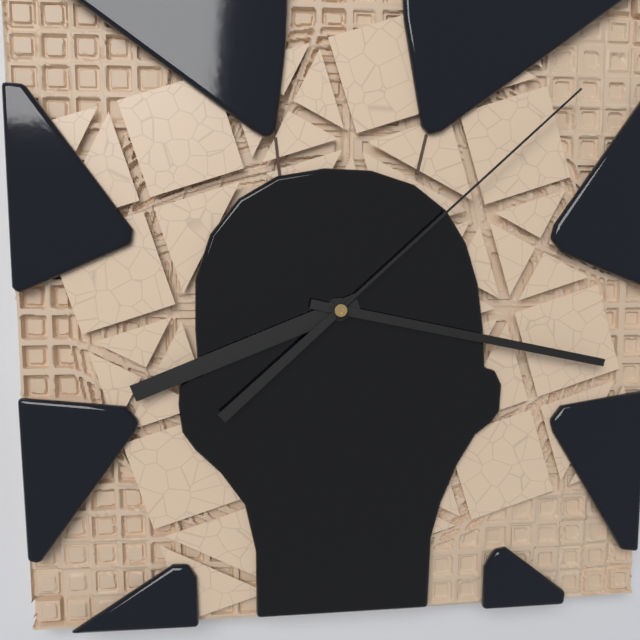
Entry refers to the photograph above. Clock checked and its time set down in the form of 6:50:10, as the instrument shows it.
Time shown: 8:17:08
